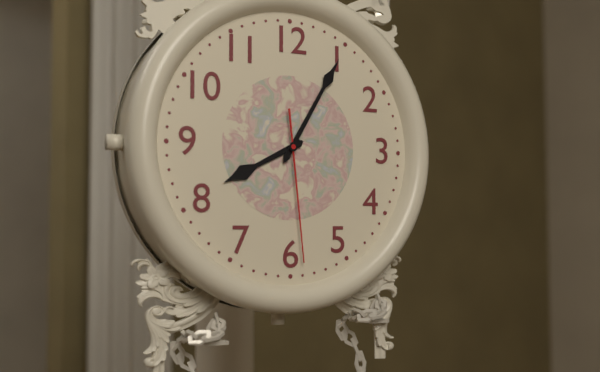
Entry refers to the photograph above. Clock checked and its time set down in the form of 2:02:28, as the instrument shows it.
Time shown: 8:05:29
